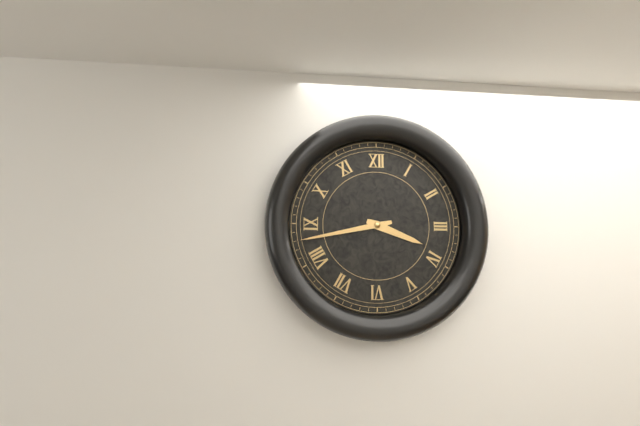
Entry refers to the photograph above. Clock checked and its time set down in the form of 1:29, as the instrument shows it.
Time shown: 3:43
